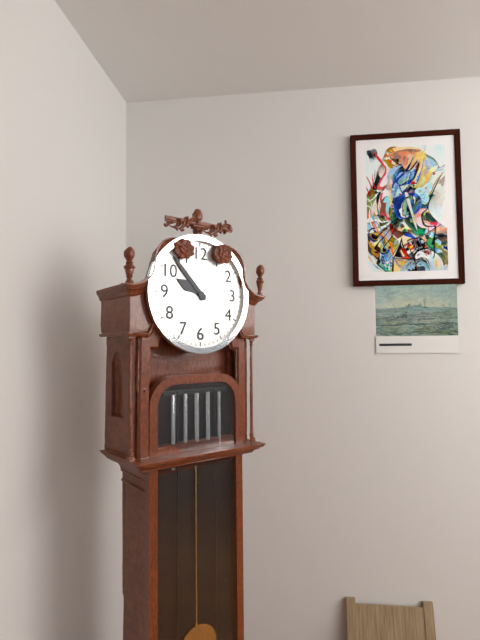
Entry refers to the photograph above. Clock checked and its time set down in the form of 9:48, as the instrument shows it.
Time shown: 9:53
